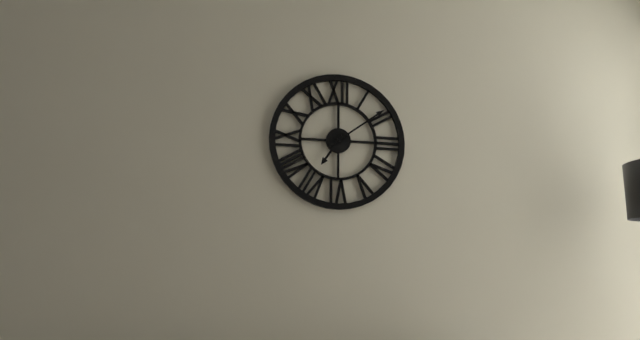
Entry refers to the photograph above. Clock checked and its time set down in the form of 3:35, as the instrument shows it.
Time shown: 7:09
